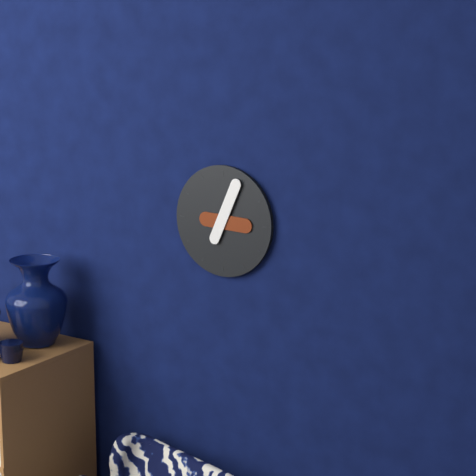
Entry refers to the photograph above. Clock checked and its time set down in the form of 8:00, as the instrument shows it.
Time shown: 3:04
